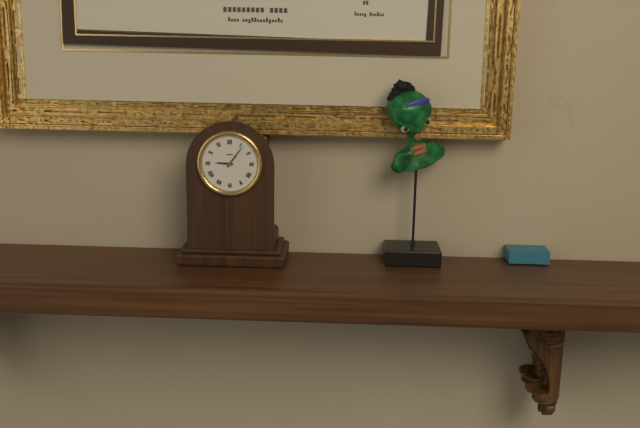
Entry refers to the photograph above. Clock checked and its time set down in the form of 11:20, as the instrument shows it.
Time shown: 9:06
